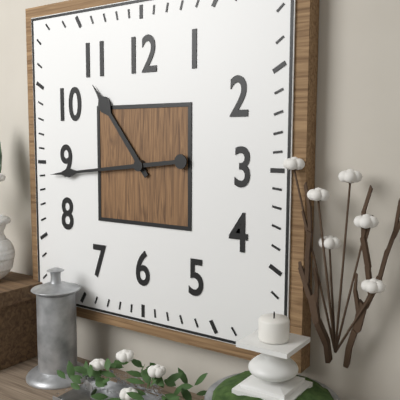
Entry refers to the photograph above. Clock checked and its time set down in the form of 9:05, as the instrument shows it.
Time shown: 10:44
